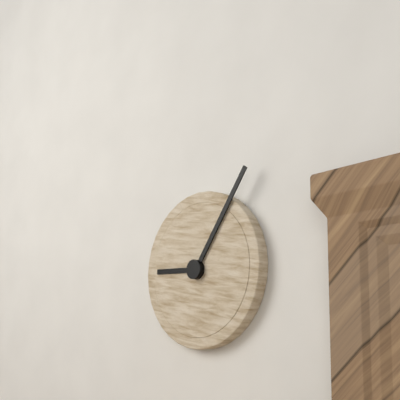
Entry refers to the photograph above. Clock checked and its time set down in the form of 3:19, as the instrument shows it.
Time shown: 9:06
